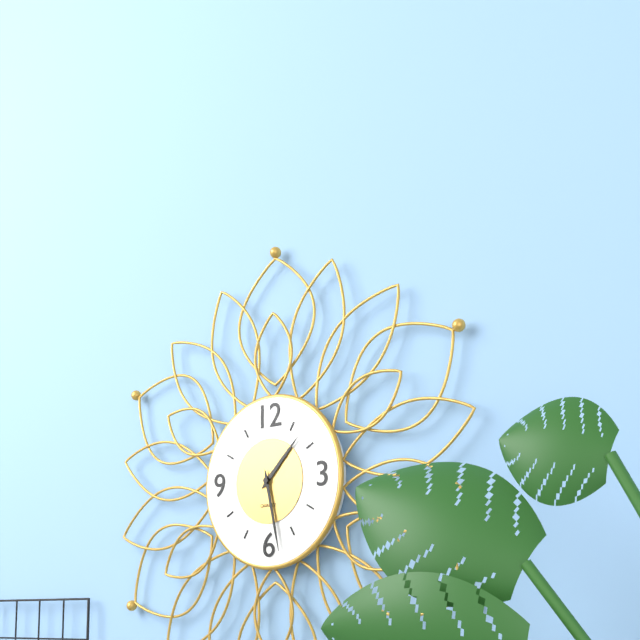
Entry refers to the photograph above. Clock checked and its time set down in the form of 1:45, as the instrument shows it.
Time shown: 1:28
